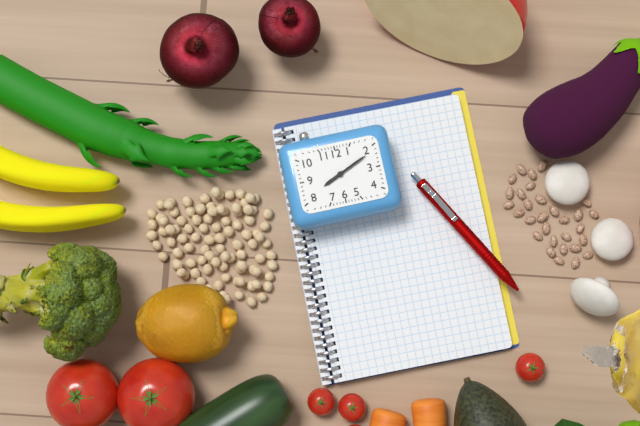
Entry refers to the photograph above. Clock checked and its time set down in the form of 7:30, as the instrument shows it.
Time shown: 8:11
